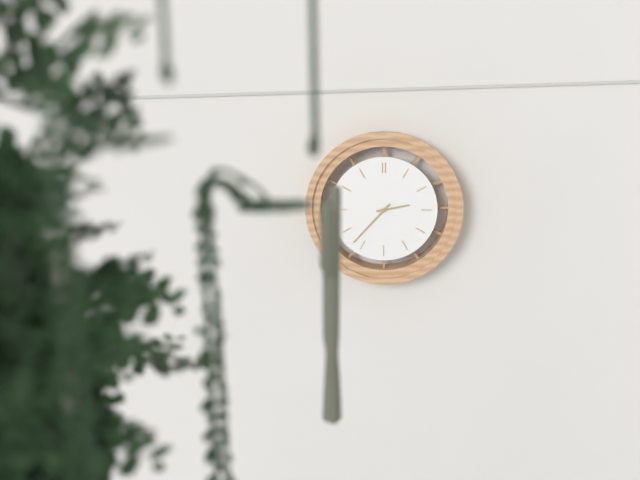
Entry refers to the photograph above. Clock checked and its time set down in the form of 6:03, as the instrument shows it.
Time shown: 2:37
